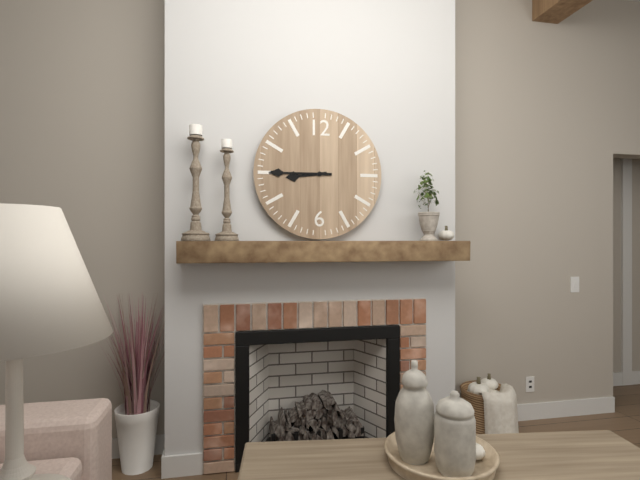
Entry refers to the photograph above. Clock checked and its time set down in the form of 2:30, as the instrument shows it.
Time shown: 8:45
